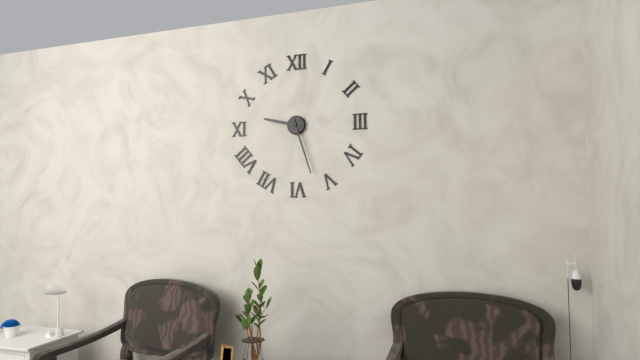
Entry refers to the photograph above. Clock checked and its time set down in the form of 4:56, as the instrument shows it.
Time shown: 9:27
